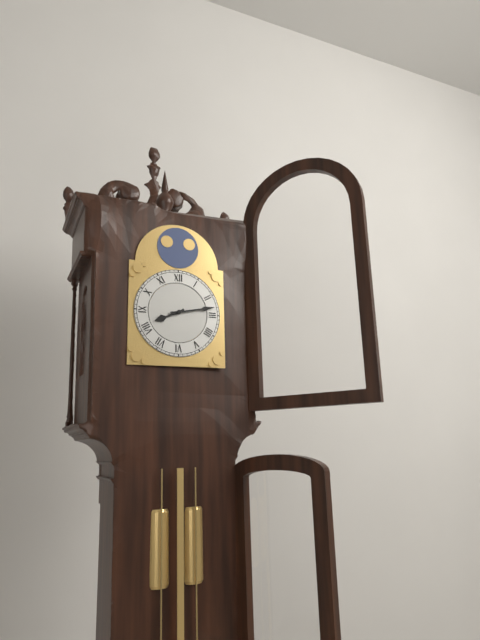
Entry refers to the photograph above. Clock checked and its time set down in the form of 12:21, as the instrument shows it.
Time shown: 8:13
